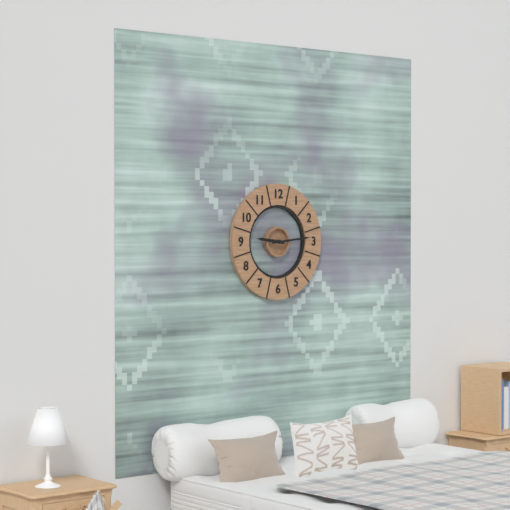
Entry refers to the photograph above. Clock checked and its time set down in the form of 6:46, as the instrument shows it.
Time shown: 9:14
